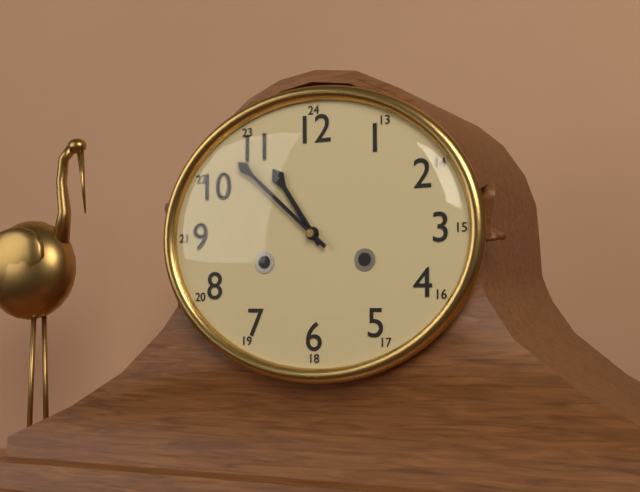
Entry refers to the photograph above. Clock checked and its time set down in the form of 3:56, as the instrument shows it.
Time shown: 10:52
